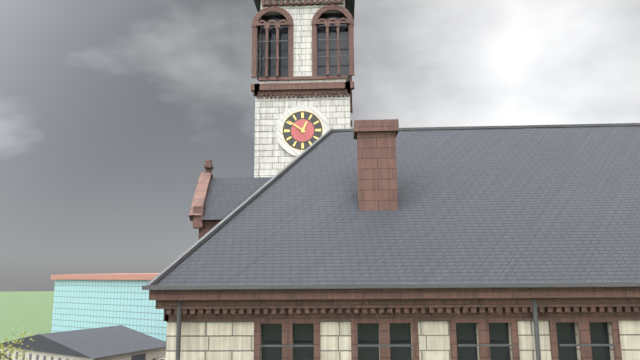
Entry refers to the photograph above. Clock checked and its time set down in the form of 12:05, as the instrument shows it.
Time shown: 12:51
